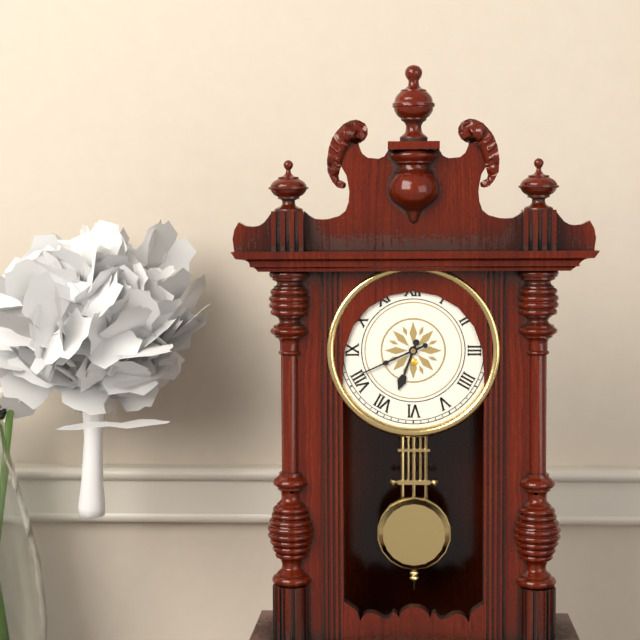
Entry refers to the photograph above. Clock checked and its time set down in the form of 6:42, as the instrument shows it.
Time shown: 6:41
